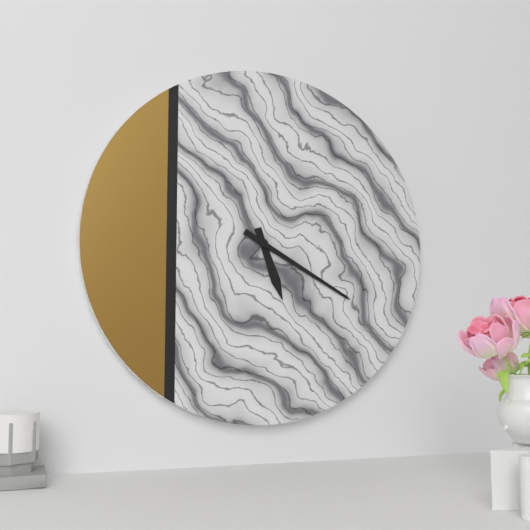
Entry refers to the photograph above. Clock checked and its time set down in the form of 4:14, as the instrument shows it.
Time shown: 5:20
